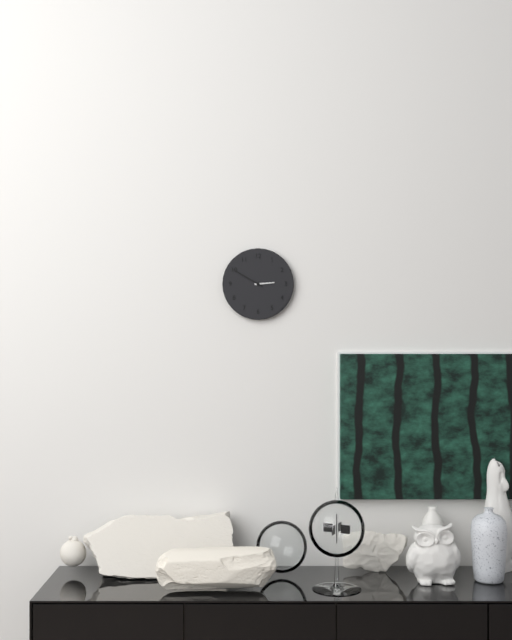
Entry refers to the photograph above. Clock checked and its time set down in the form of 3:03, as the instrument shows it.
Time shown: 2:50
